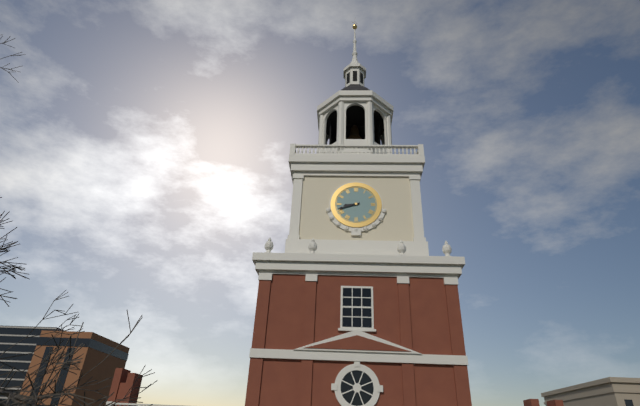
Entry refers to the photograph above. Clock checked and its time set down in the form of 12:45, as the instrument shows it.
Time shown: 8:42
